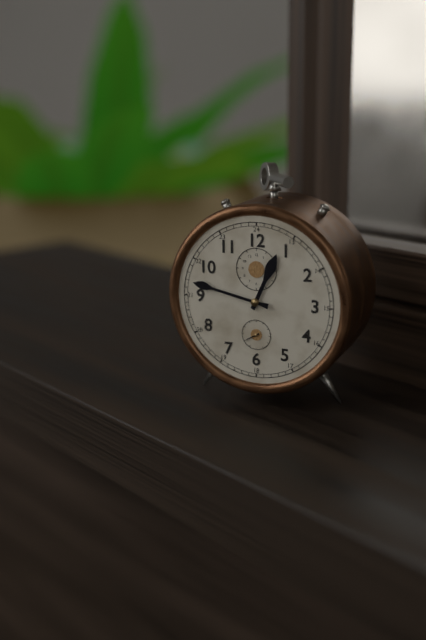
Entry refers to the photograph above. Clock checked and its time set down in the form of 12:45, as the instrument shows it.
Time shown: 12:47
